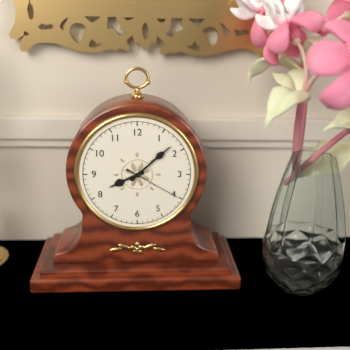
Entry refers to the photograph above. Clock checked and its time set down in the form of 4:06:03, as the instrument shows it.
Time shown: 8:08:20
